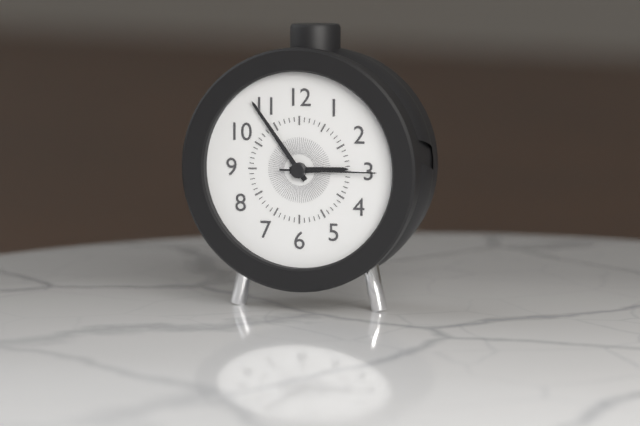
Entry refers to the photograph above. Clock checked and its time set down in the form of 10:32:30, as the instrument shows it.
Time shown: 2:54:15
